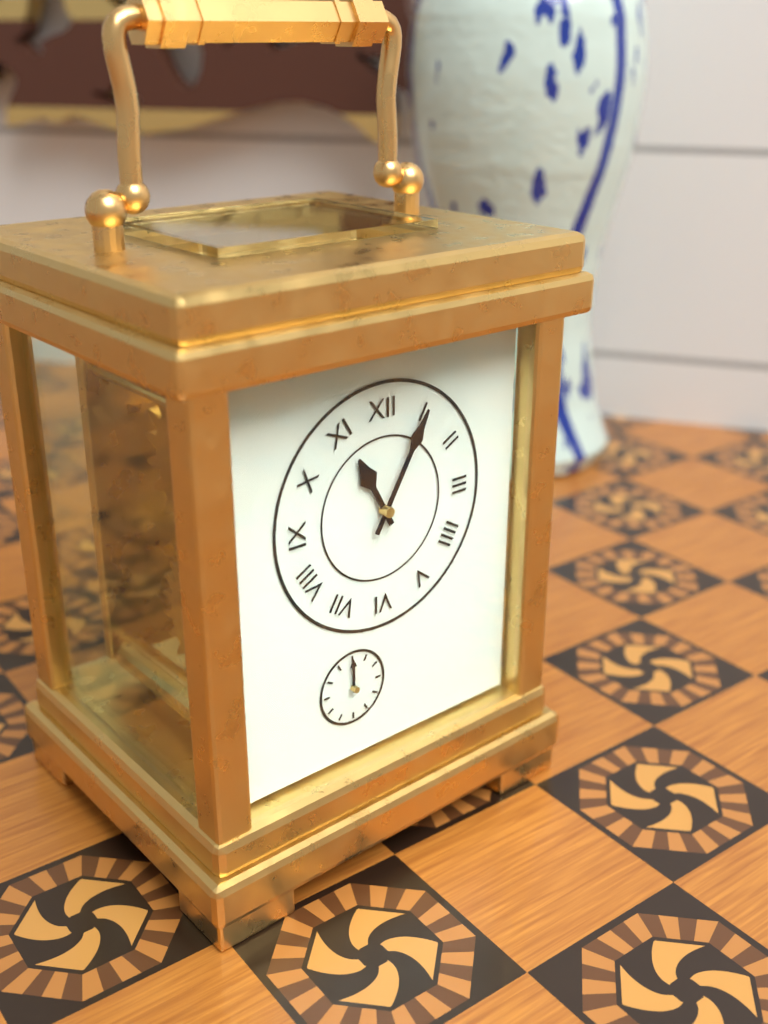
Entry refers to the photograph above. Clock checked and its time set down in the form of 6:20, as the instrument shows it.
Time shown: 11:05
